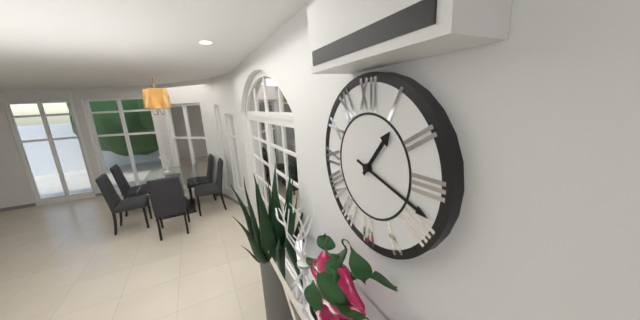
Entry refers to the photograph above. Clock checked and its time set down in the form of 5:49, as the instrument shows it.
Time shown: 1:18
